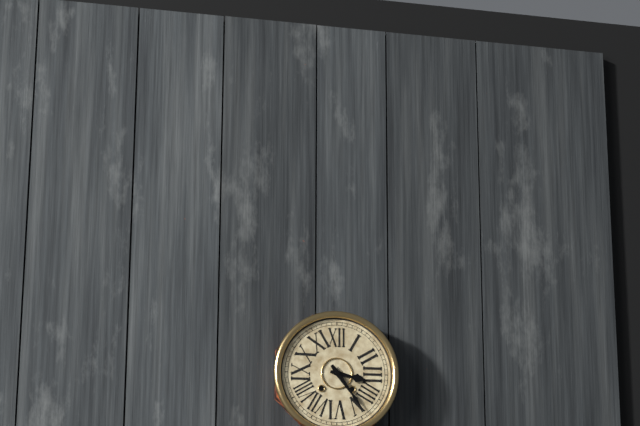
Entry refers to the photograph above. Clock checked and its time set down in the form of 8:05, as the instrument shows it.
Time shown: 3:24
